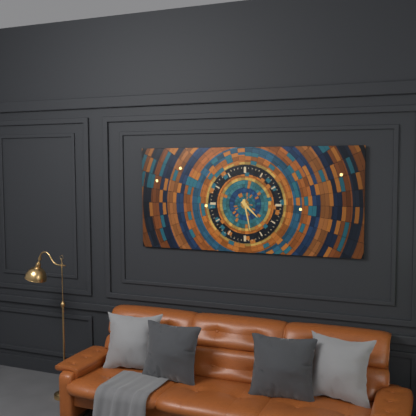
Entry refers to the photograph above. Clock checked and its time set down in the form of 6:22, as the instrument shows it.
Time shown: 4:28
